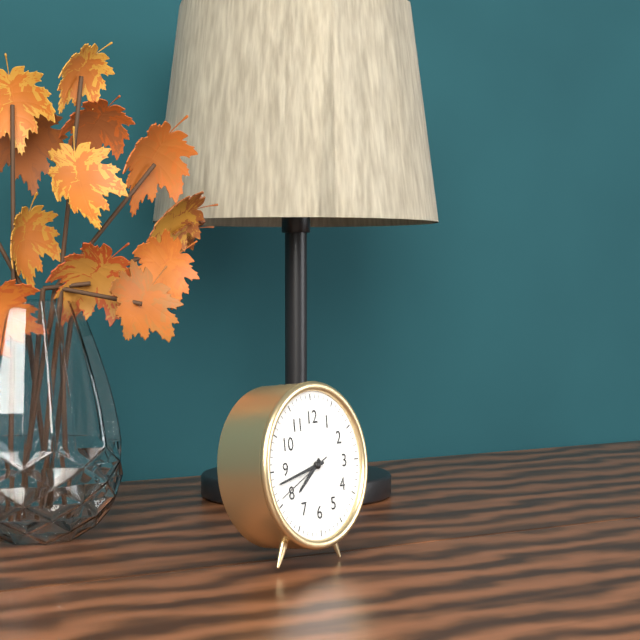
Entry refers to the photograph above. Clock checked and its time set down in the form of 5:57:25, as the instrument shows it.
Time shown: 7:43:41
